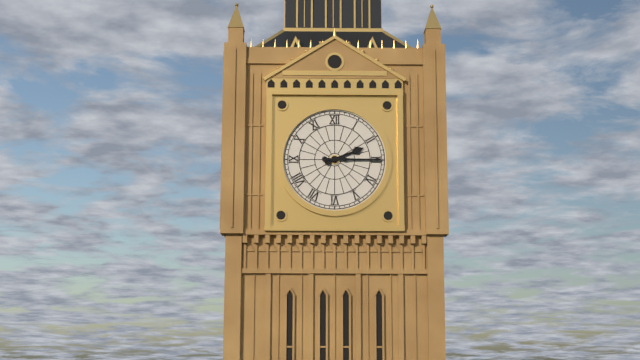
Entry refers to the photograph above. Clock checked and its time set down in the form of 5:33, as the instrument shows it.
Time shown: 2:15
